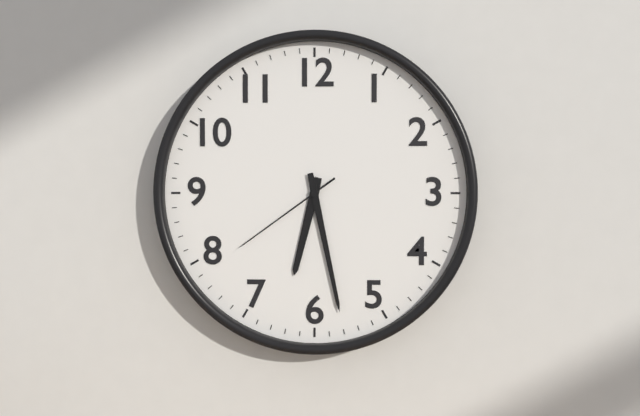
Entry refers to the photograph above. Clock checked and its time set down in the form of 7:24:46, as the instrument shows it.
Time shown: 6:28:39
